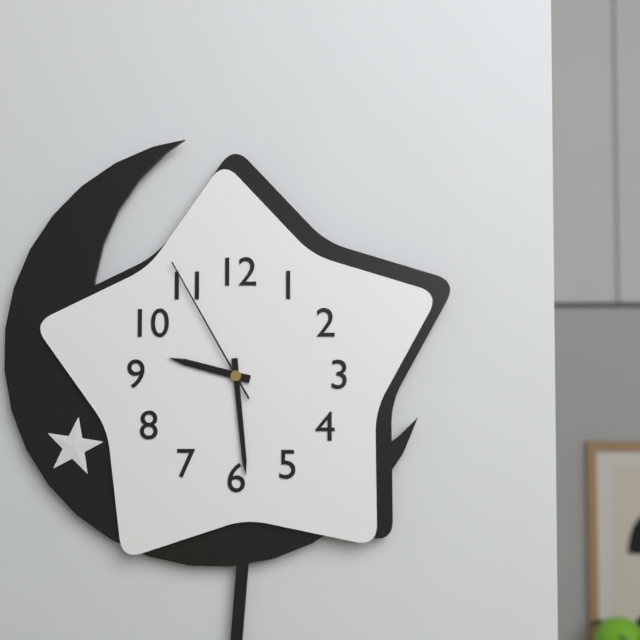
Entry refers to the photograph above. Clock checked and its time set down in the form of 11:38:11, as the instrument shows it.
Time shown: 9:29:55
